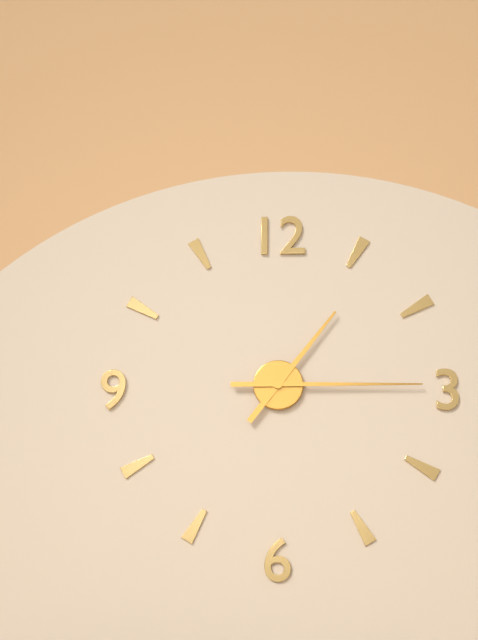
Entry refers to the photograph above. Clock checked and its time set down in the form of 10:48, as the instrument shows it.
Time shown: 1:15
